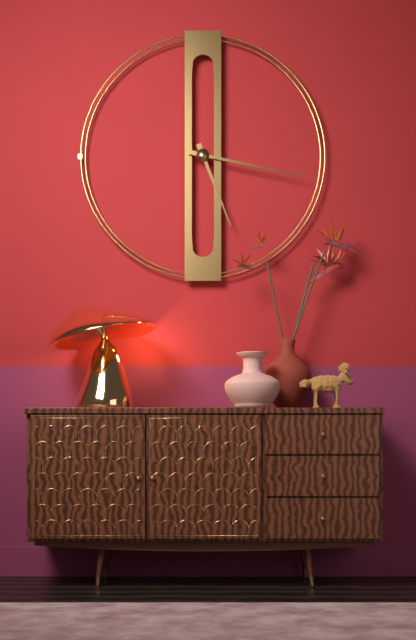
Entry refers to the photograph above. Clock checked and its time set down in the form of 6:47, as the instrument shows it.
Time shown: 5:17
